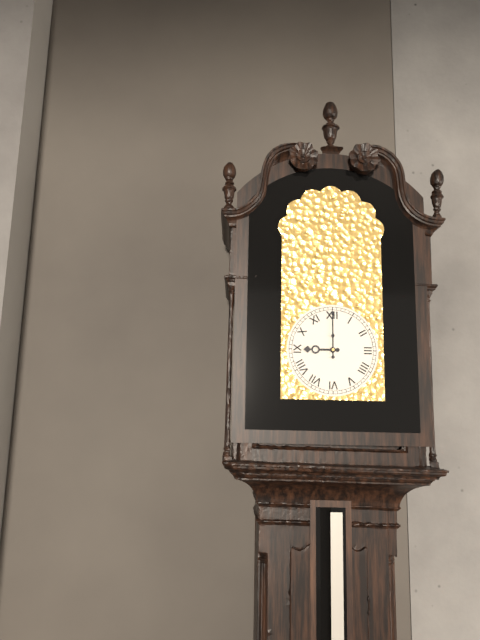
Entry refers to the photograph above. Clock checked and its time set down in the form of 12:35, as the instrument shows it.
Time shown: 9:00
